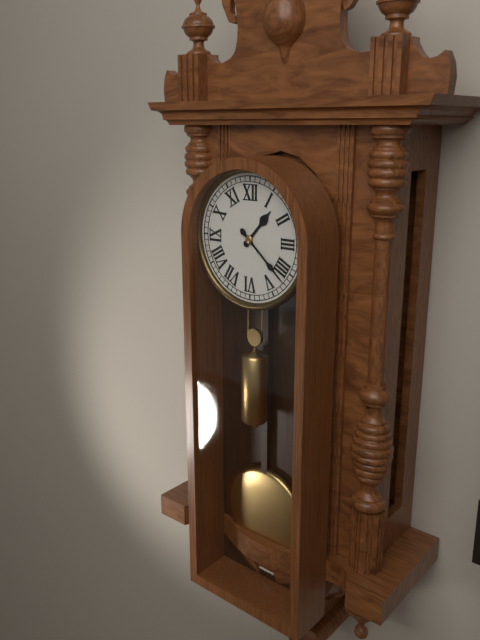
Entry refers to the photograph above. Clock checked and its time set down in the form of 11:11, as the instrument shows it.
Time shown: 1:22
